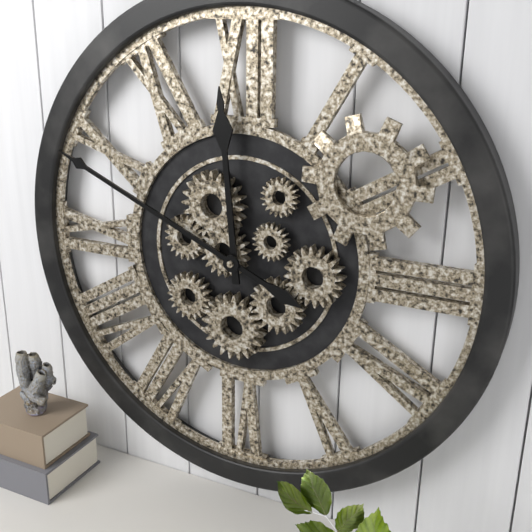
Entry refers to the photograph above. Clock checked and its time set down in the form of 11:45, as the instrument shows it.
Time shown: 11:49
